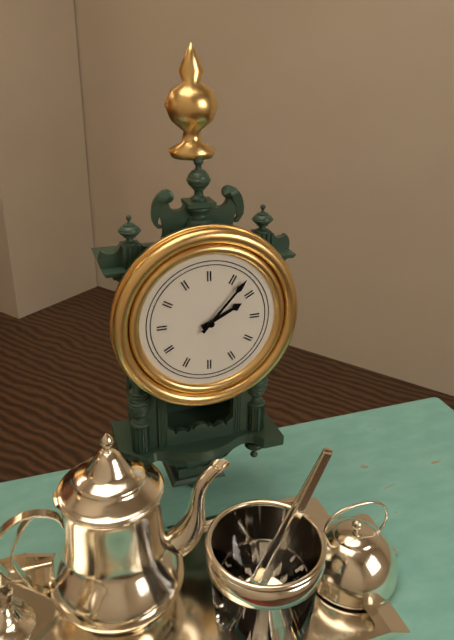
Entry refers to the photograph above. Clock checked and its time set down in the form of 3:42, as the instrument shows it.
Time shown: 2:07
